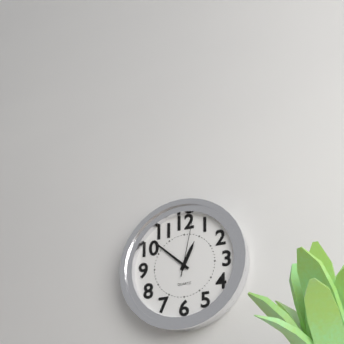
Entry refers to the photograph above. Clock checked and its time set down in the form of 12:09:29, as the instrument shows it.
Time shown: 12:52:02
